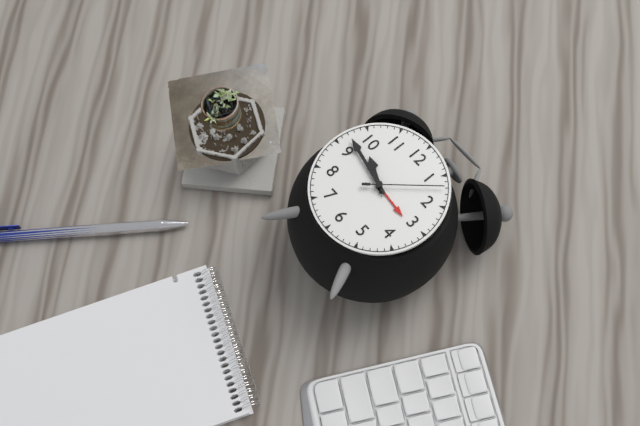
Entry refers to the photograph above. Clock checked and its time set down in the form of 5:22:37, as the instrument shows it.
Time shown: 9:47:07
